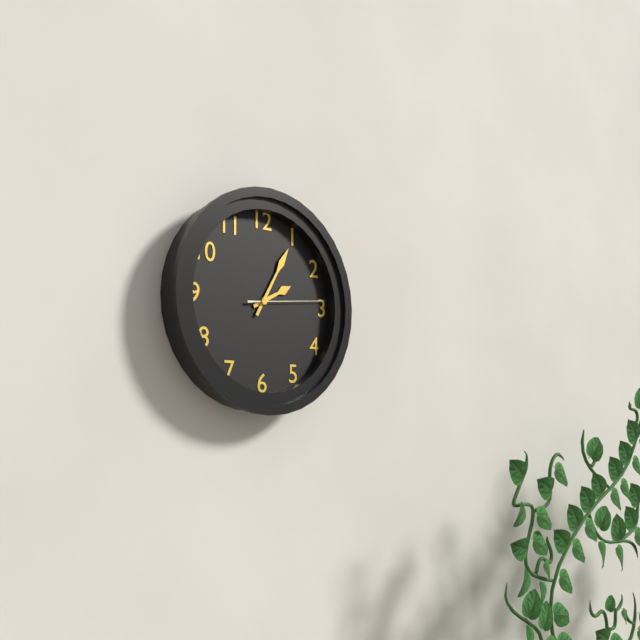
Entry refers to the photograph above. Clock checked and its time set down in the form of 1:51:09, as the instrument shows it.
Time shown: 2:05:14
